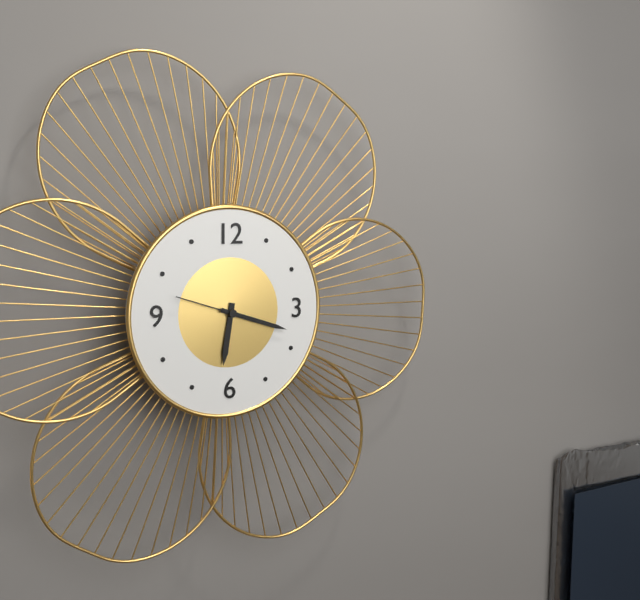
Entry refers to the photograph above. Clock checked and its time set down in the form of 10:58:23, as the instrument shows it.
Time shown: 6:18:48
